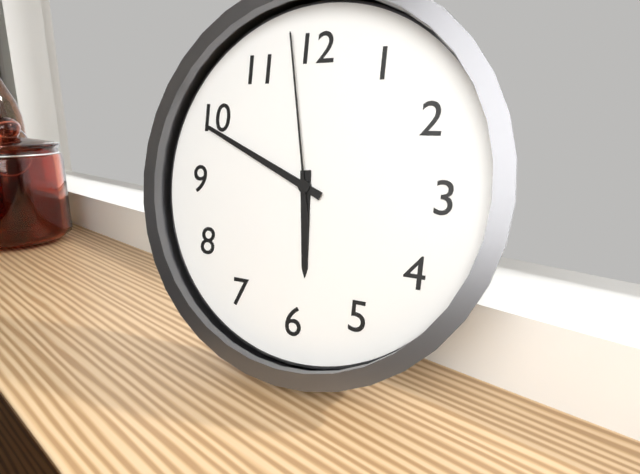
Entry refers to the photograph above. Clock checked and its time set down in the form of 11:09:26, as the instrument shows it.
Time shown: 5:49:58
